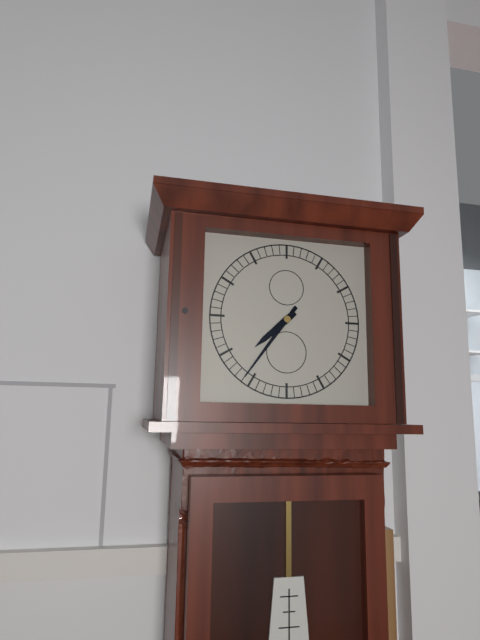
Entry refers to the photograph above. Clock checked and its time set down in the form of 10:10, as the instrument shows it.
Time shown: 7:36
